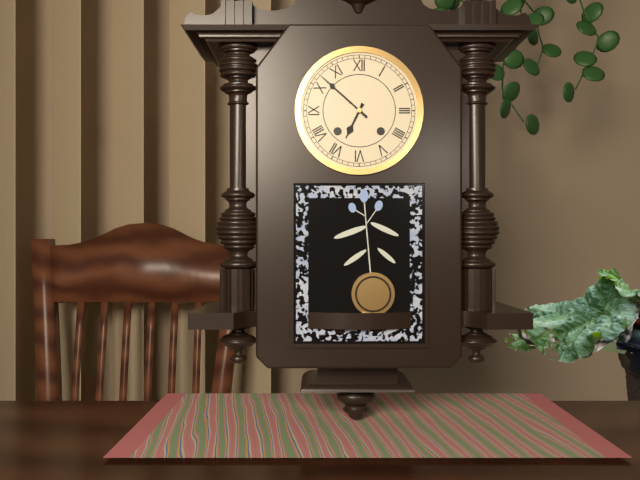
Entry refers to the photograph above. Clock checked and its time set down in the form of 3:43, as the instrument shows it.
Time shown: 6:52
